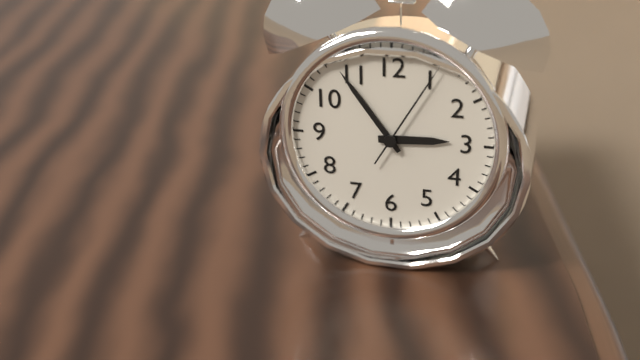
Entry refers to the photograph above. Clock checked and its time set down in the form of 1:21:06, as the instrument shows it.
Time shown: 2:54:05
